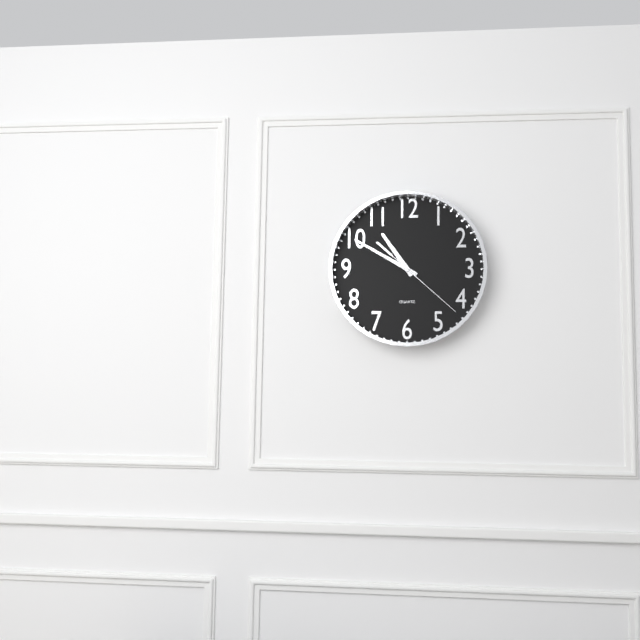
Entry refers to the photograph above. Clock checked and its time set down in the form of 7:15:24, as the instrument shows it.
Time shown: 10:50:22
